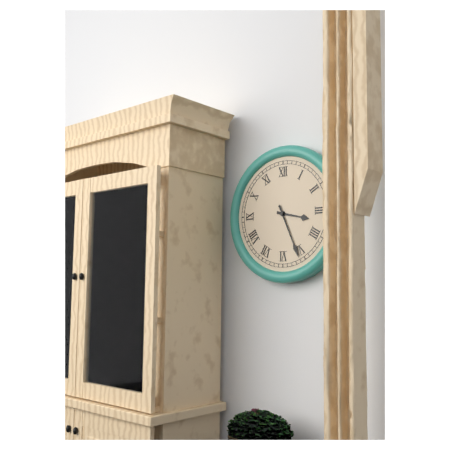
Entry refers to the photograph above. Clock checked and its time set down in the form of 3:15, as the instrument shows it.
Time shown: 3:26
